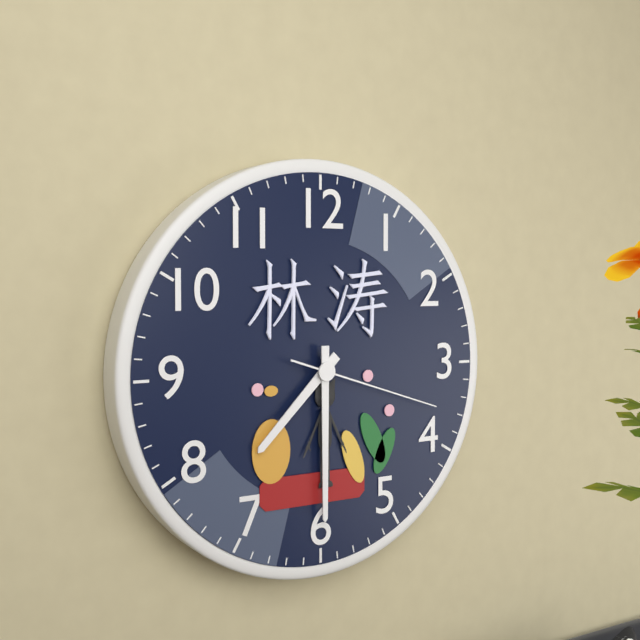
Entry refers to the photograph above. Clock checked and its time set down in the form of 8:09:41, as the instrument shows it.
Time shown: 7:30:18
